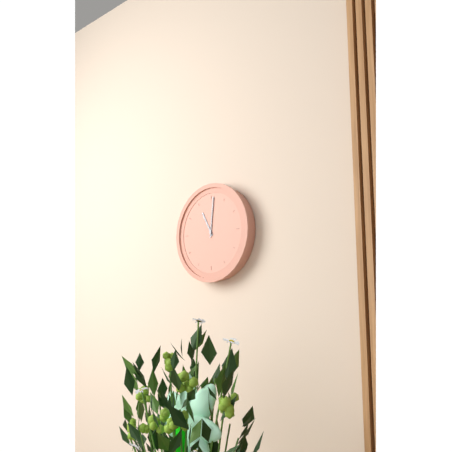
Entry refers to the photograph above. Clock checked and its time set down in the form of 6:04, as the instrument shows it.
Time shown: 11:01
